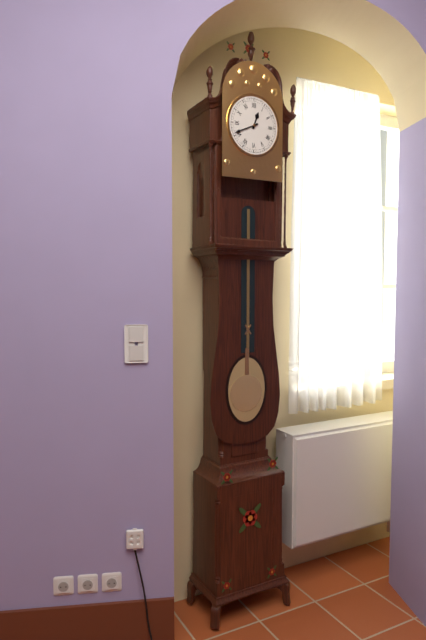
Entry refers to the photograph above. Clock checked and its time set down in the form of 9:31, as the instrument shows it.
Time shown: 12:41
